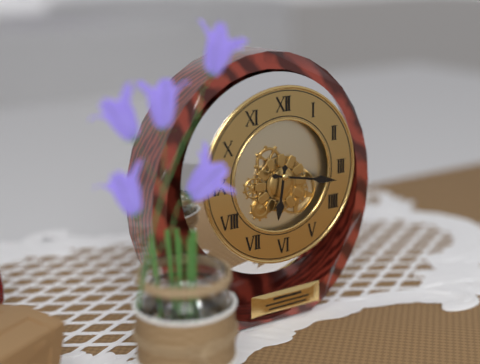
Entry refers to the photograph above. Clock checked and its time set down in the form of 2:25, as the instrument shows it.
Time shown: 6:17
